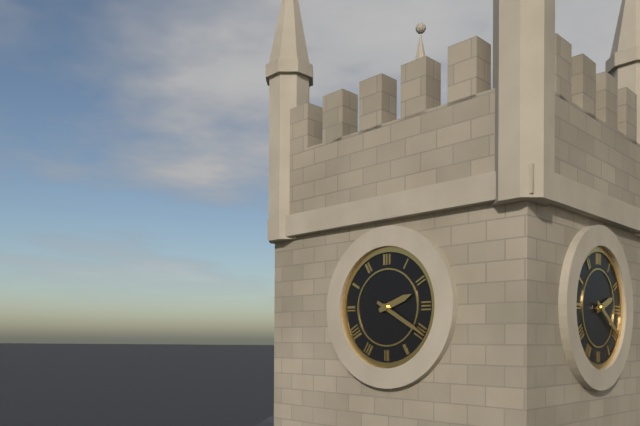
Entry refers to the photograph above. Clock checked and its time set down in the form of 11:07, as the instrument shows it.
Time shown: 2:20
